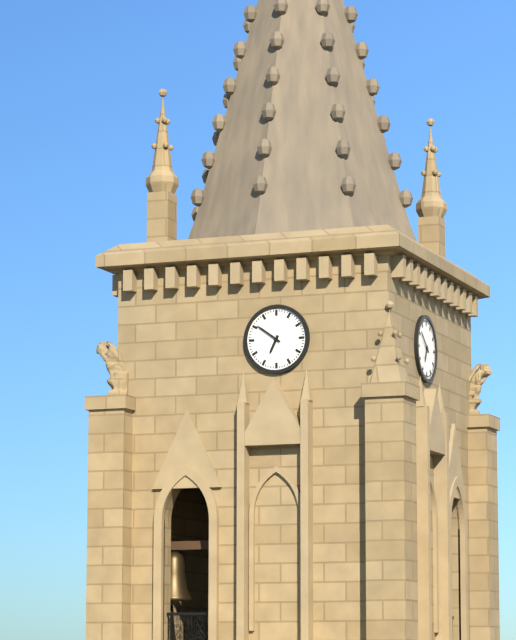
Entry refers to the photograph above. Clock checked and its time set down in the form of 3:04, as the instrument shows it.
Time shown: 6:51
